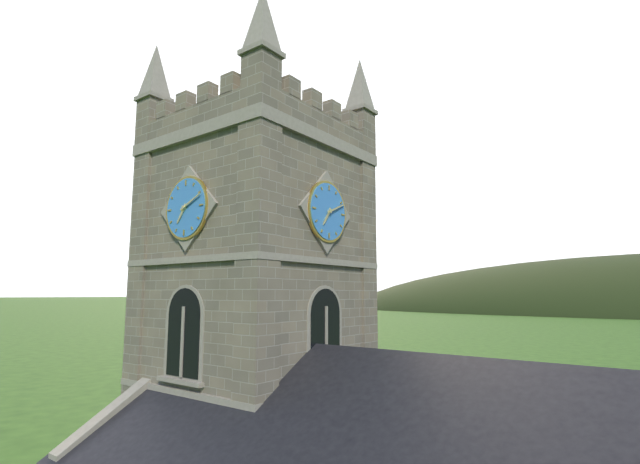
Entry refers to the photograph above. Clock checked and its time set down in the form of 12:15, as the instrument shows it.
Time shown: 7:11
